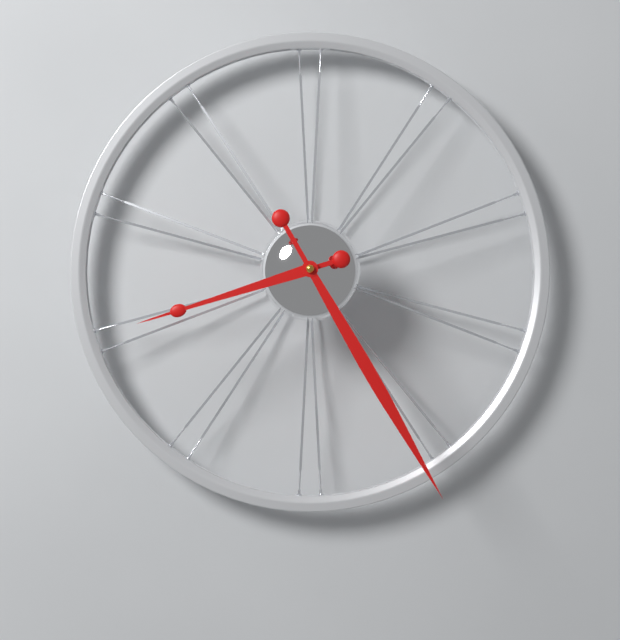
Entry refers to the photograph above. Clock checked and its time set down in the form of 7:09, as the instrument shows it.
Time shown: 8:25
